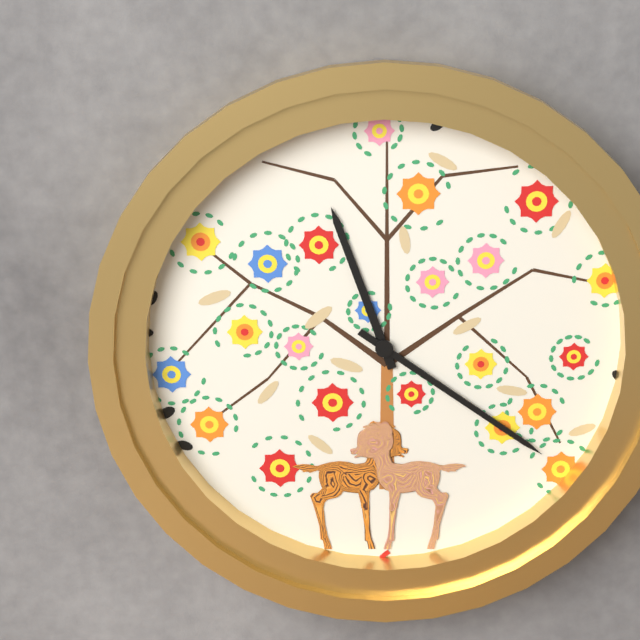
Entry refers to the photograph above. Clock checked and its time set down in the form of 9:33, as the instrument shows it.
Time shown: 11:21
